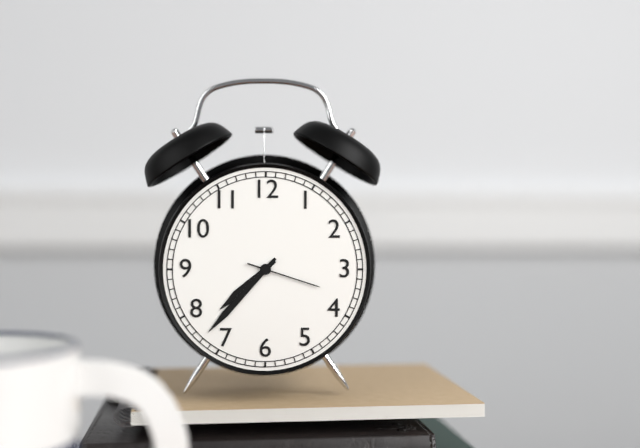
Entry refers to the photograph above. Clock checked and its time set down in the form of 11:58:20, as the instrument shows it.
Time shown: 7:37:18
